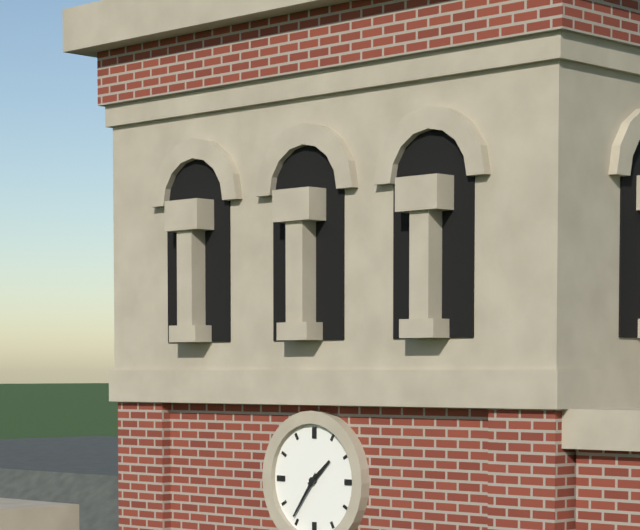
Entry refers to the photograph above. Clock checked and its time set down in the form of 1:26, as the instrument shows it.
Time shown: 1:36
